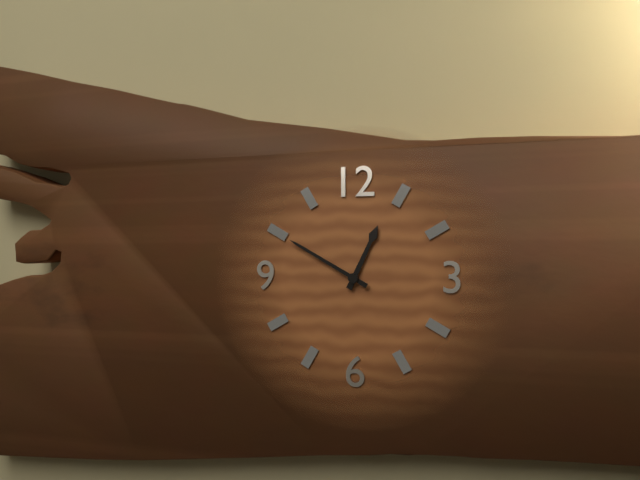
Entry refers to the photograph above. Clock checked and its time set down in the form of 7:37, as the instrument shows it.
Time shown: 12:50
